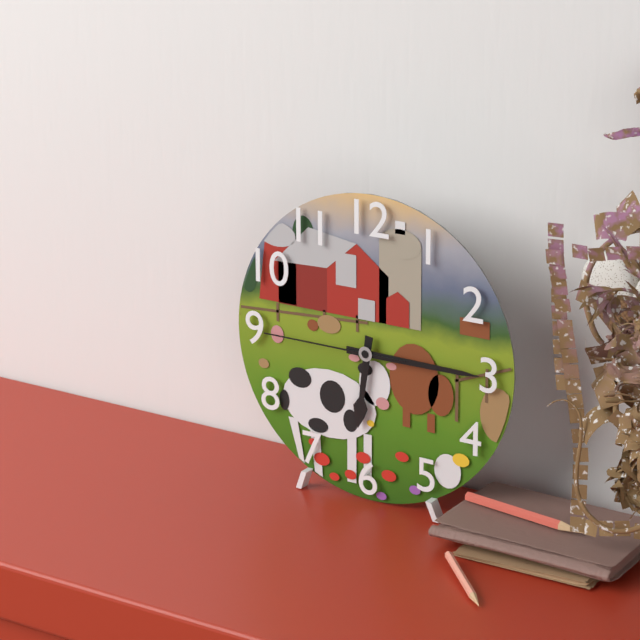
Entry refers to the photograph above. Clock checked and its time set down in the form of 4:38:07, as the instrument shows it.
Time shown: 6:15:45
